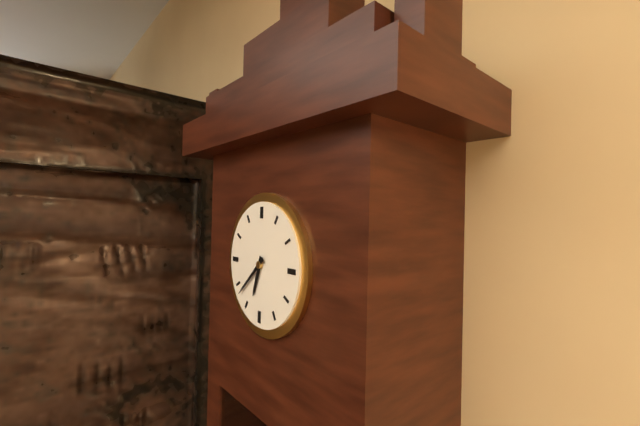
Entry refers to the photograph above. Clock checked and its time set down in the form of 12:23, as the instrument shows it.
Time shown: 6:38
